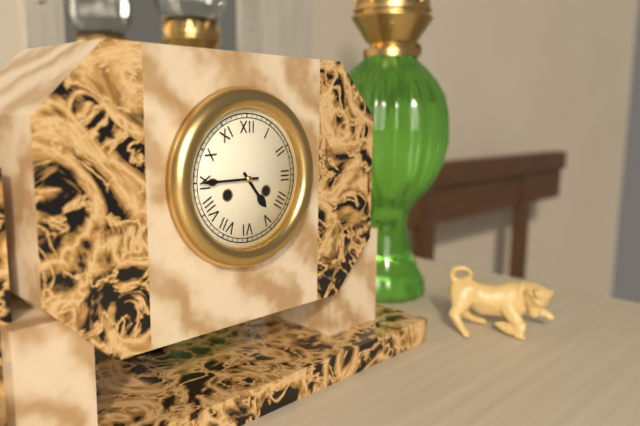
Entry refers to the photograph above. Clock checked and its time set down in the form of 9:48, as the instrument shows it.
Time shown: 4:45
